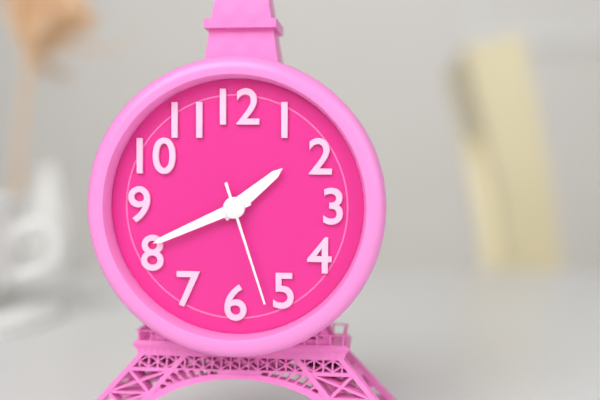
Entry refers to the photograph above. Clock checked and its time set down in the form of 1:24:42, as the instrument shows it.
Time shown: 1:41:27
